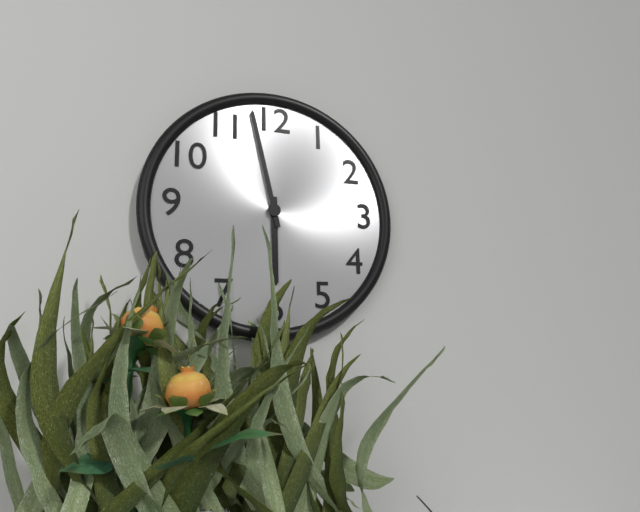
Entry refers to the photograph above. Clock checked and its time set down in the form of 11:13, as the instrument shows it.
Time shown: 5:58
